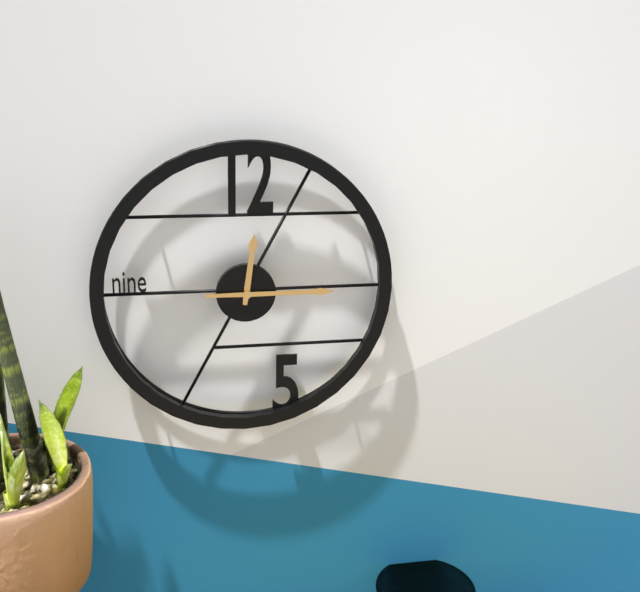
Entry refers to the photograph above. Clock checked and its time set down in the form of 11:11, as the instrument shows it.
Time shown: 12:15
